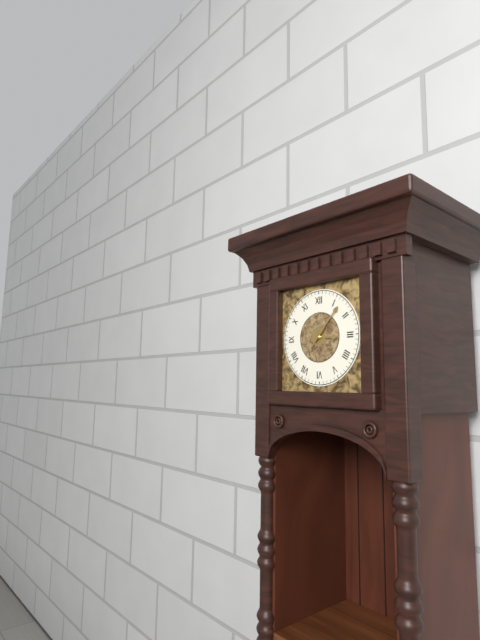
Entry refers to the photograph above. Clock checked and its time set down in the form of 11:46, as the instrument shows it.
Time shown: 3:07
